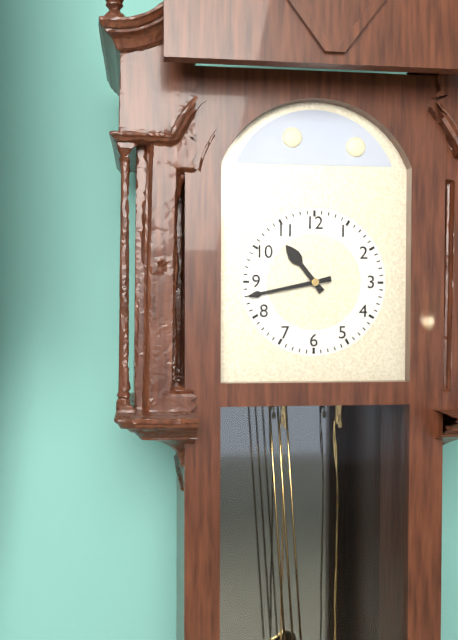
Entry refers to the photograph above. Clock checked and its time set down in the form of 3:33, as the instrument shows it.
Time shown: 10:43
